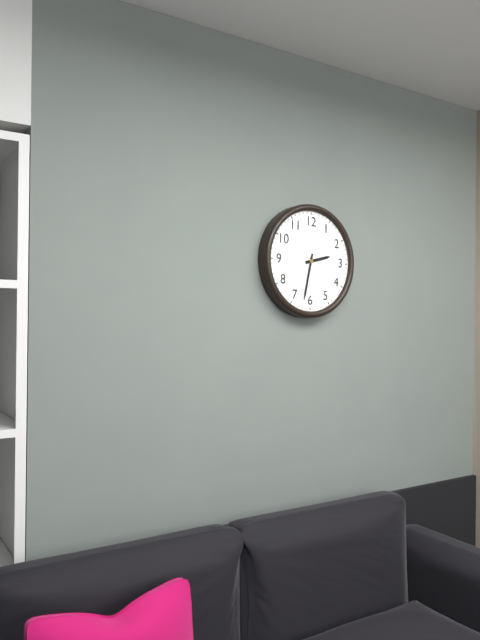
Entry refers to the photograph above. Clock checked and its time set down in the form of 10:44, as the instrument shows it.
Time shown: 2:32
